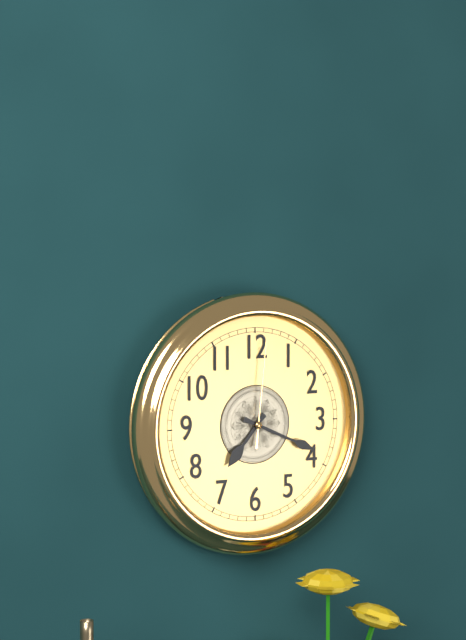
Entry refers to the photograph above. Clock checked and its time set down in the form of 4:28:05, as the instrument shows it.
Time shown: 7:19:01
